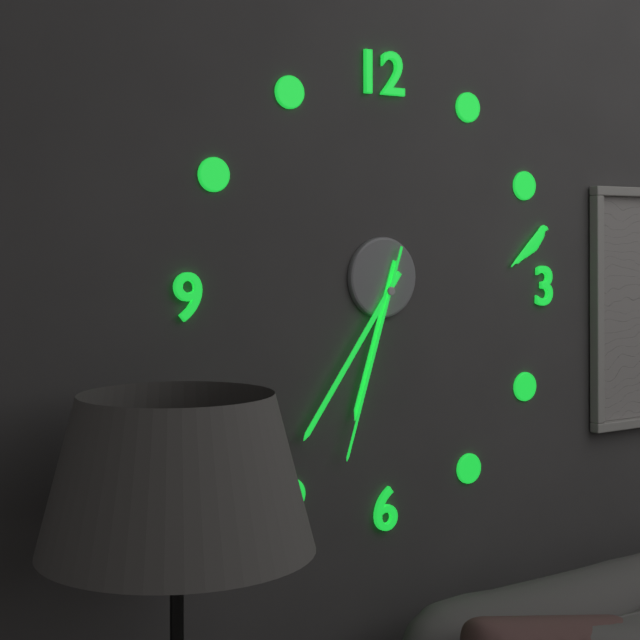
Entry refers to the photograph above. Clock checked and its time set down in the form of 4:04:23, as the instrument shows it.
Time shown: 6:36:33
